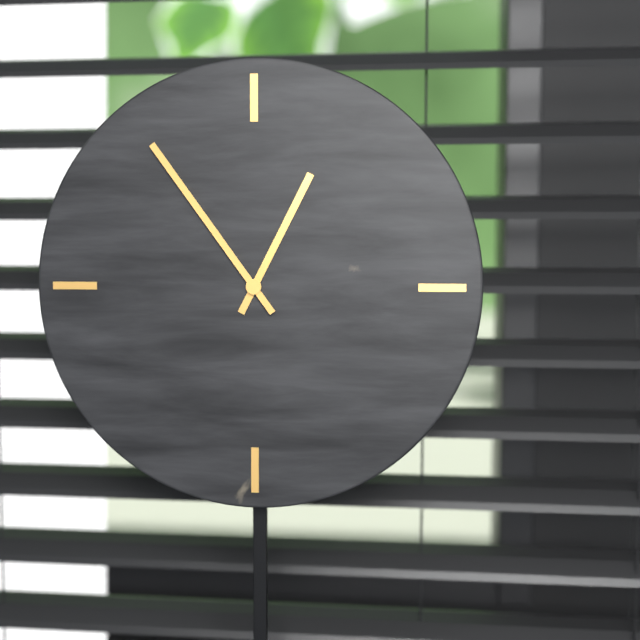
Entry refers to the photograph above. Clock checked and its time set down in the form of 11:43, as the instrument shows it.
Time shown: 12:54
